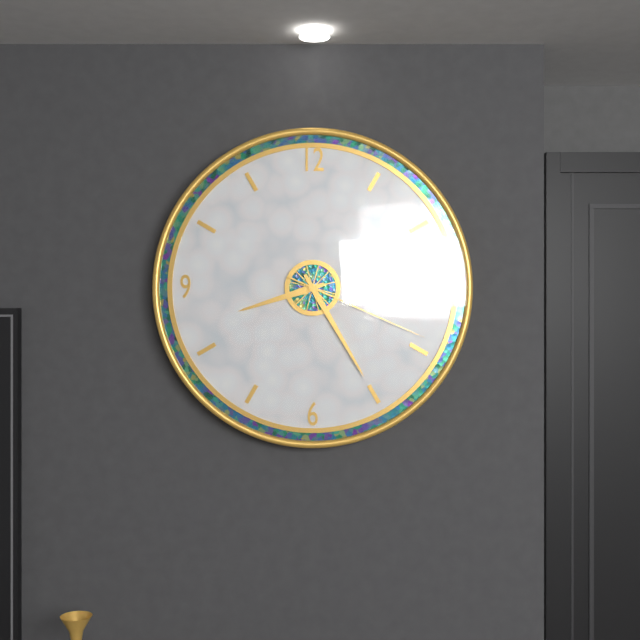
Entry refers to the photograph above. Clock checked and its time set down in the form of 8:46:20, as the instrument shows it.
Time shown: 8:25:19
